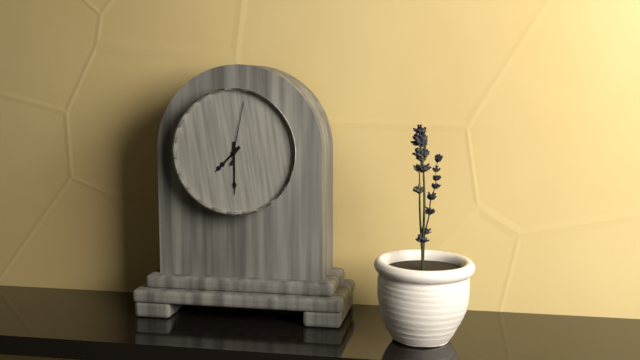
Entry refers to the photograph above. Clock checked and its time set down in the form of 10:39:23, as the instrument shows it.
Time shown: 7:30:02
